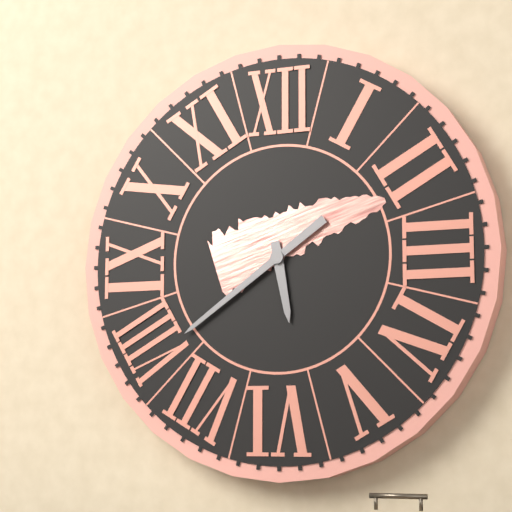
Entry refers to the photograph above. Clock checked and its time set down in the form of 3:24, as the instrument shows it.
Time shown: 5:39
